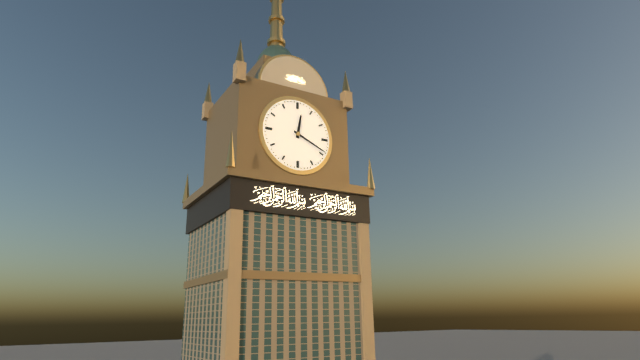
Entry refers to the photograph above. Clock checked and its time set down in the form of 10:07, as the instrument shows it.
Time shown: 12:19
